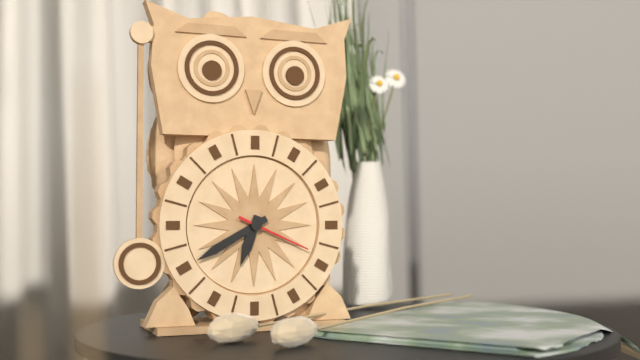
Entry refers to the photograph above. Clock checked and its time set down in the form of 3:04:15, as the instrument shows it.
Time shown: 6:40:19
